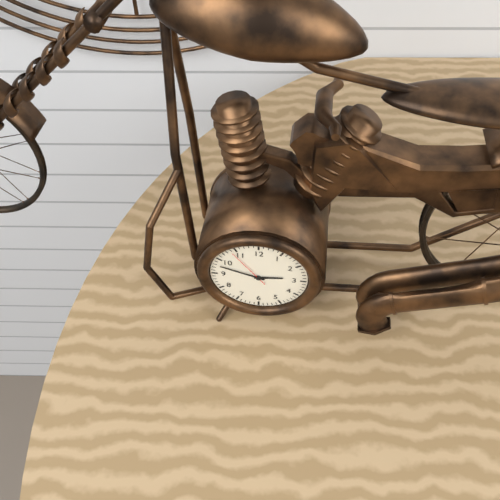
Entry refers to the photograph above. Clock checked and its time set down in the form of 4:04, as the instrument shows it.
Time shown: 2:48
